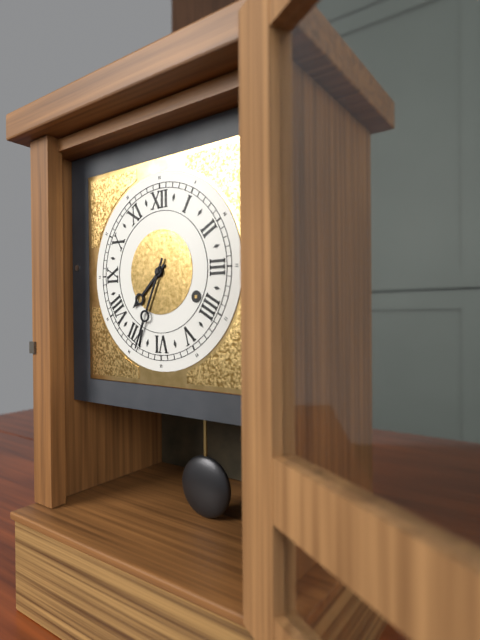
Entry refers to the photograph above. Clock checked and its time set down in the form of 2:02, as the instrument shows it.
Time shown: 7:34
